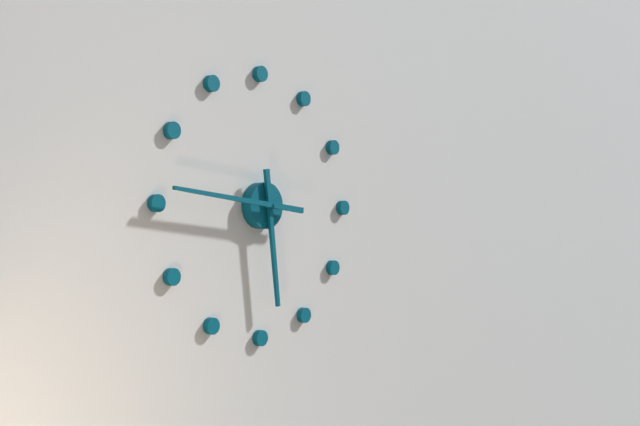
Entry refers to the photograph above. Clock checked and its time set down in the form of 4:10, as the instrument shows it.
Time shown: 5:46
